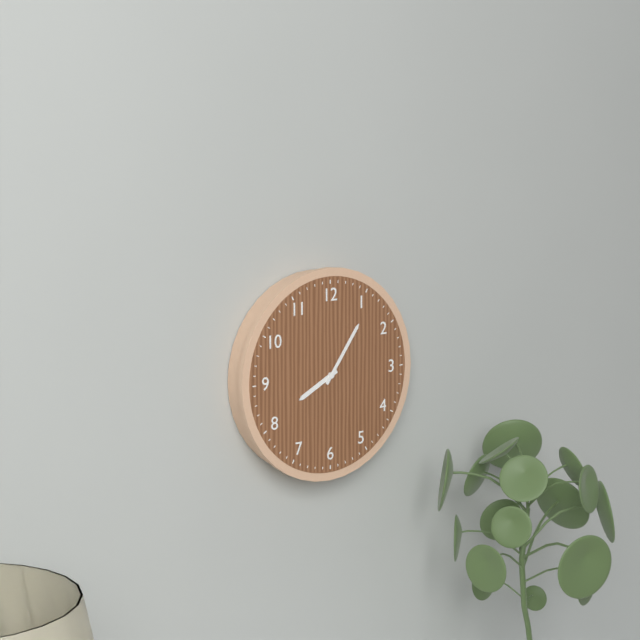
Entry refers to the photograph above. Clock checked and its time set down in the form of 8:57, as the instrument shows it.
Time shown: 8:06
